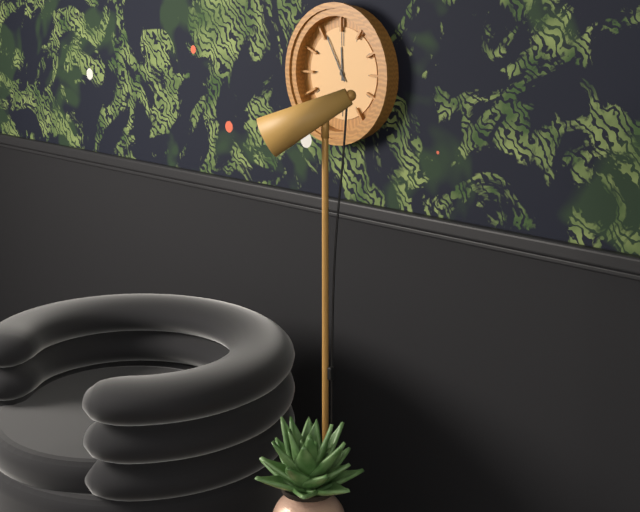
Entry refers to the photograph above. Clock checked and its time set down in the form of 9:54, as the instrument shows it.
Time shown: 11:55
